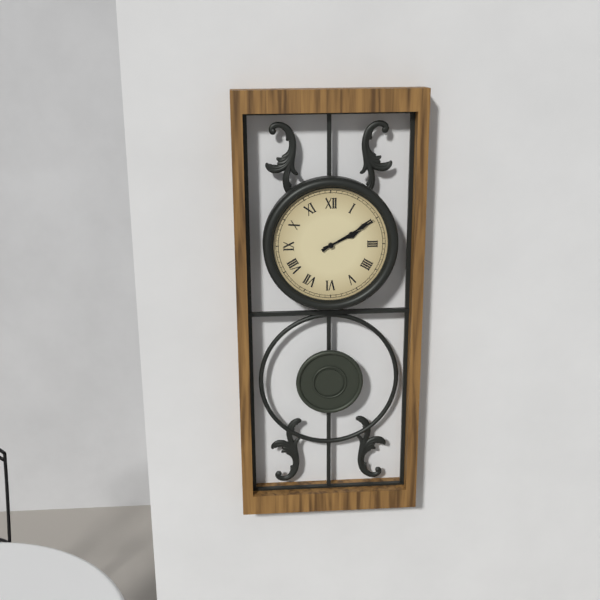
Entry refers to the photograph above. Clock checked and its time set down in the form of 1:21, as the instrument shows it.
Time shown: 2:10
